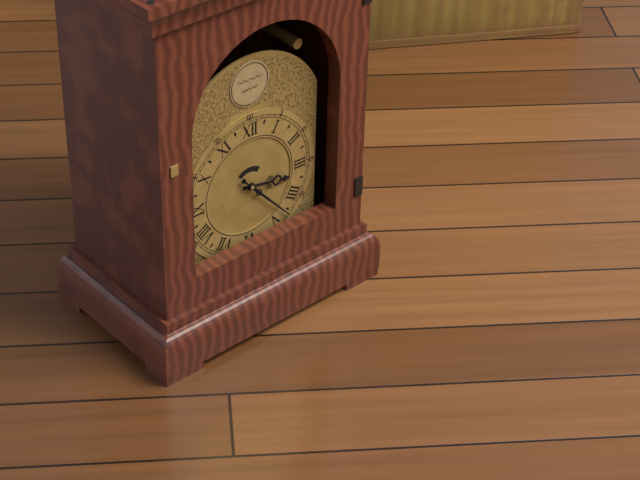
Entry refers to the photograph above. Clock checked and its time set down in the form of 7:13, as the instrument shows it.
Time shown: 3:23
